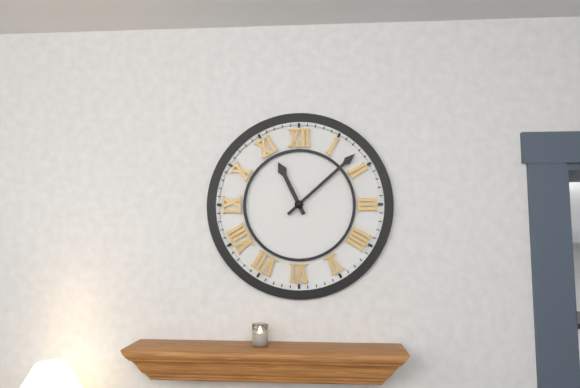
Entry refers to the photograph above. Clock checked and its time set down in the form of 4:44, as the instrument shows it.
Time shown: 11:08
